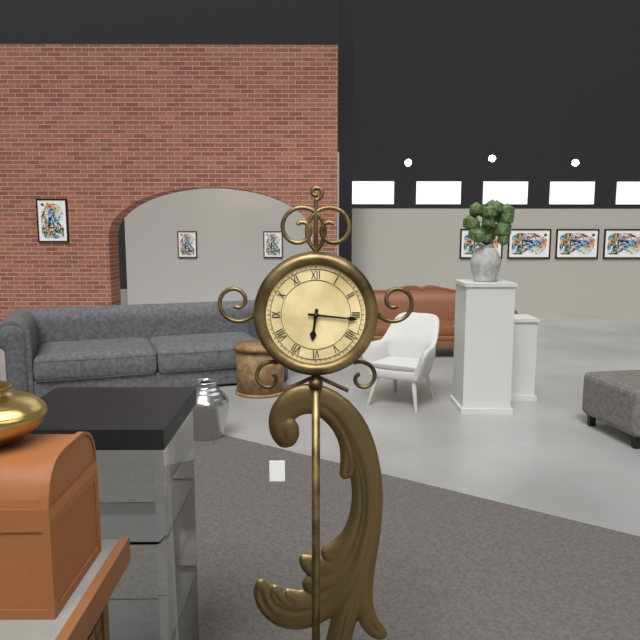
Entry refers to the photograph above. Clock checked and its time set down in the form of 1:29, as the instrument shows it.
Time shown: 6:16
